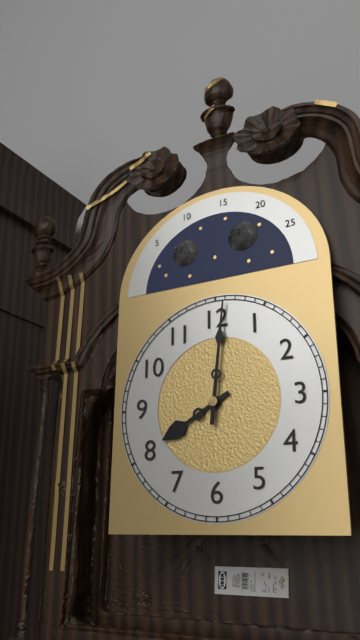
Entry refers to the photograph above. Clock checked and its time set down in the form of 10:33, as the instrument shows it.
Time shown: 8:01
